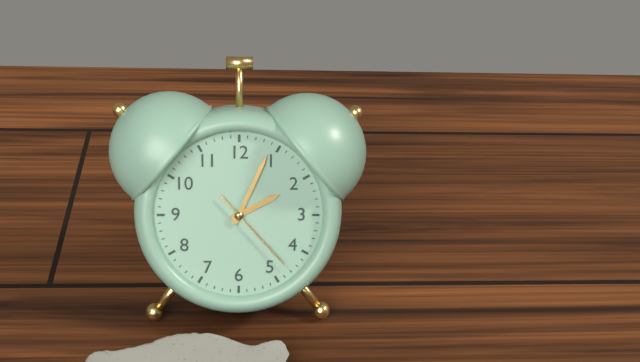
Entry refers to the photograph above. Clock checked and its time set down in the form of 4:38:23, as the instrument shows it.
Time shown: 2:04:23
